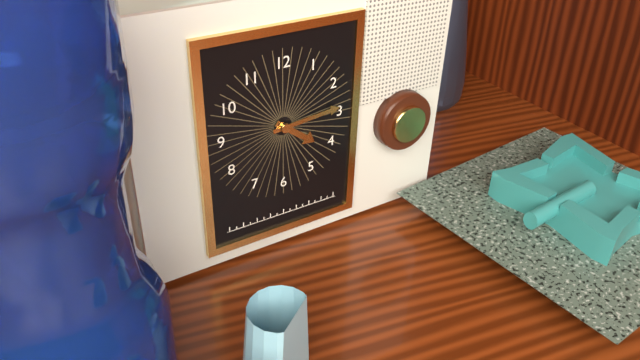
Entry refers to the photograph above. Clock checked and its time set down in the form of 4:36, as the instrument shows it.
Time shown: 4:14
